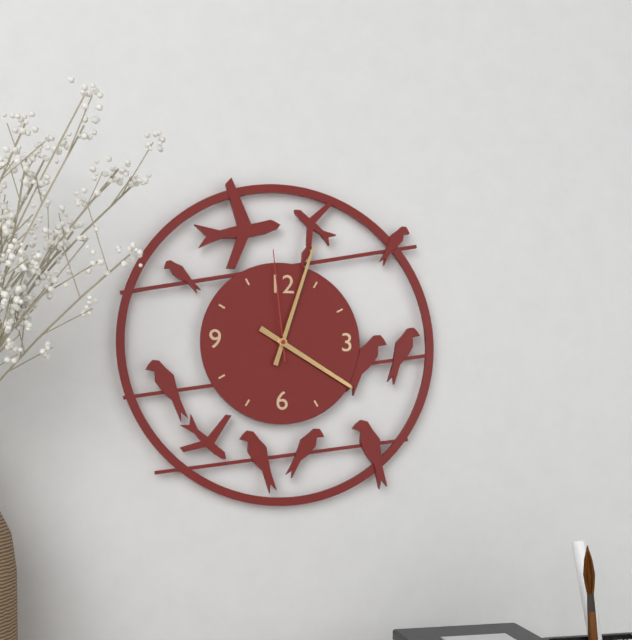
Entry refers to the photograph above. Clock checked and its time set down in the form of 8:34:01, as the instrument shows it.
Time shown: 4:03:59
